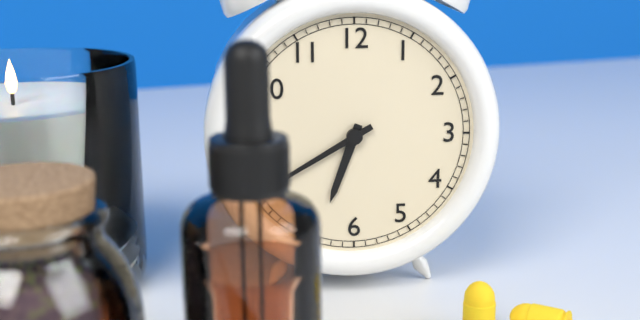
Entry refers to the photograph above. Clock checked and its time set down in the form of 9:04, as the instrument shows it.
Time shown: 6:40
